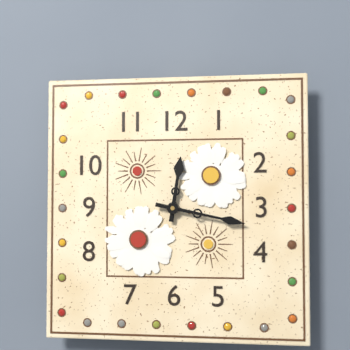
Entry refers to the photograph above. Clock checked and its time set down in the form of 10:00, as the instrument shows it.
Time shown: 12:17
